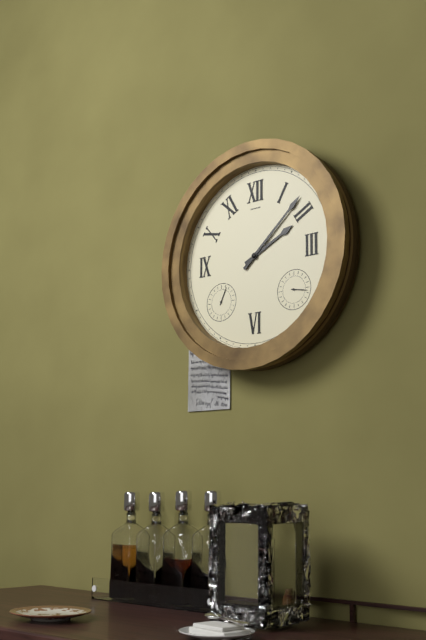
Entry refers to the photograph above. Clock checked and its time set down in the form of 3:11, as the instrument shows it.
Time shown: 2:08
